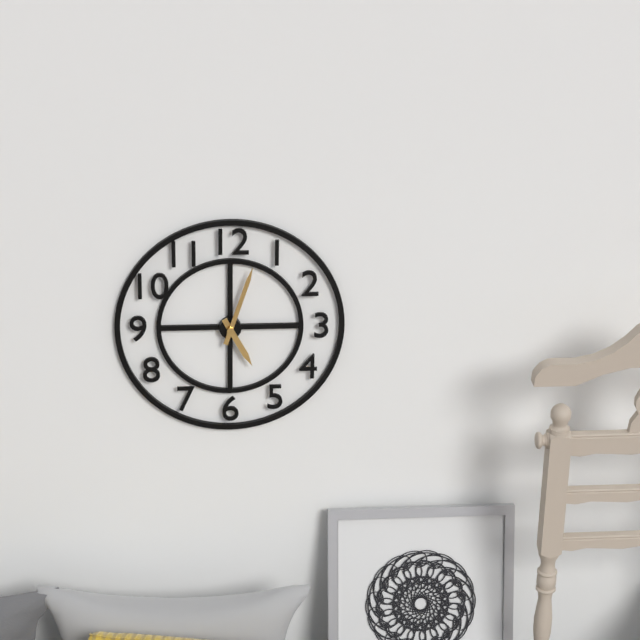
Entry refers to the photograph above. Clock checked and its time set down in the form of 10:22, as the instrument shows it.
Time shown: 5:03
